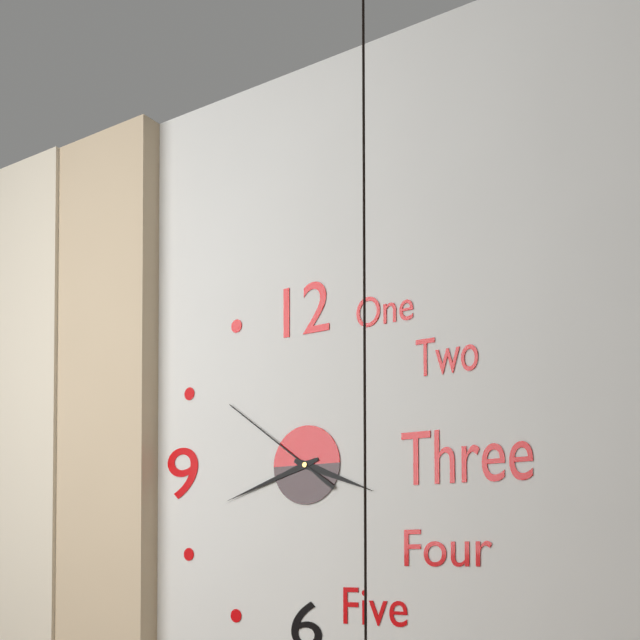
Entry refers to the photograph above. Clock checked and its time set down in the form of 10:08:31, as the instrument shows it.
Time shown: 3:42:51
